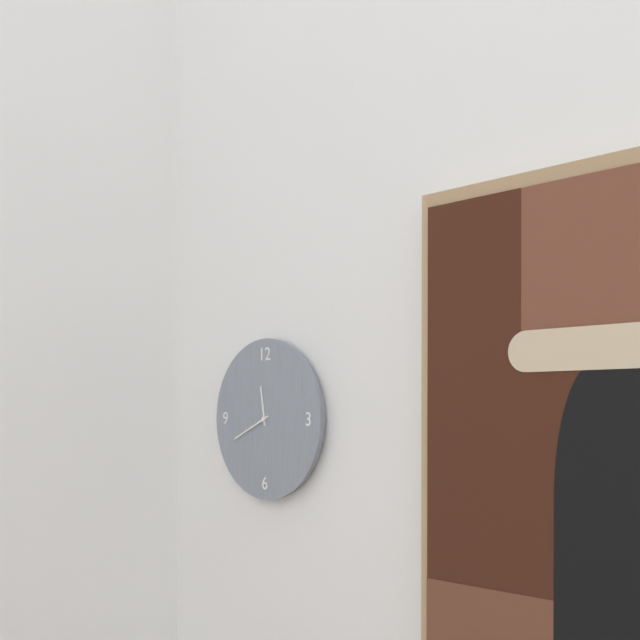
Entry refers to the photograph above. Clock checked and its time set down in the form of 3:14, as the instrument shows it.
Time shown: 11:41
